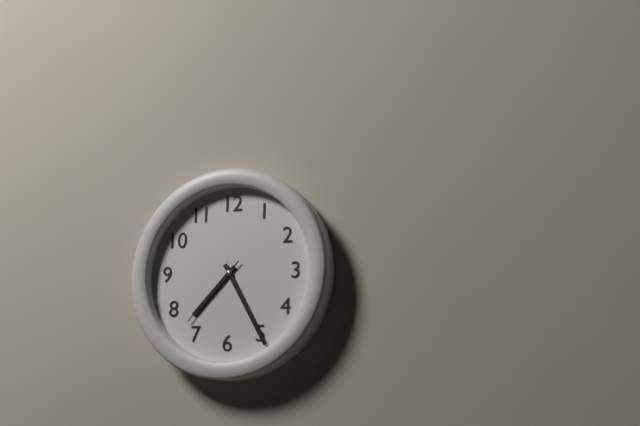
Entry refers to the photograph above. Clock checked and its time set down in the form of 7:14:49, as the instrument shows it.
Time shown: 7:25:37
